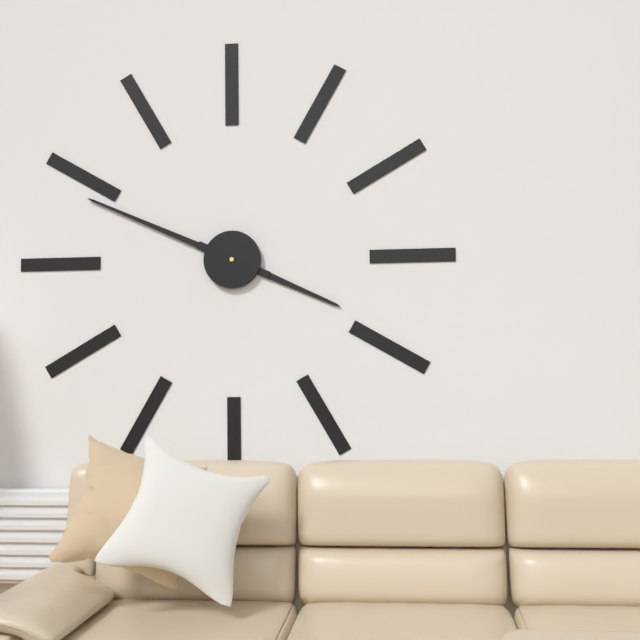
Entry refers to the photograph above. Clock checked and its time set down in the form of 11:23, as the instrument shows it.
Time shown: 3:49
